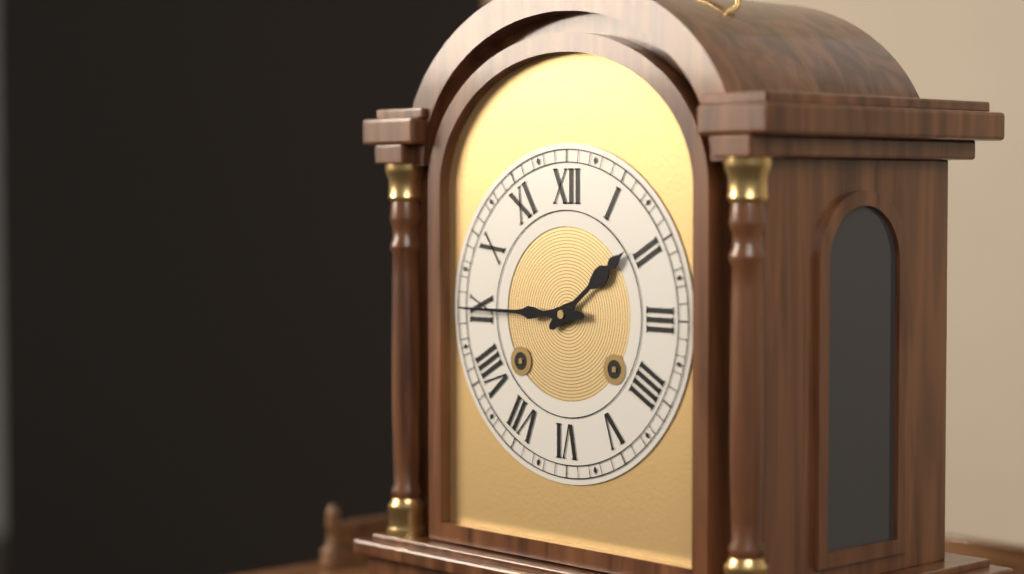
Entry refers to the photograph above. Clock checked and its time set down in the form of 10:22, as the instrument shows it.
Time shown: 1:45
